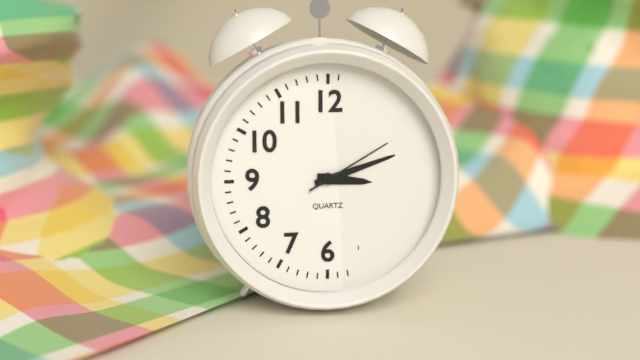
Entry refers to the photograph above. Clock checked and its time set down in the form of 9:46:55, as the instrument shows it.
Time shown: 3:12:10
